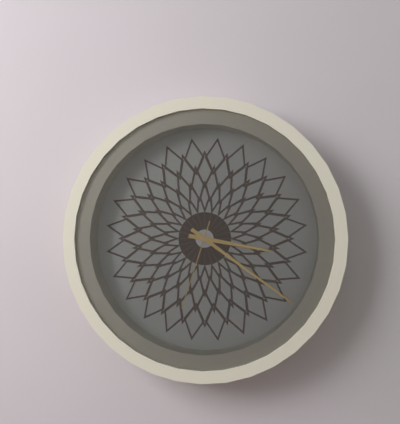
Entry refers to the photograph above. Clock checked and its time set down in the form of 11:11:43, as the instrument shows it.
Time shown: 3:21:33
